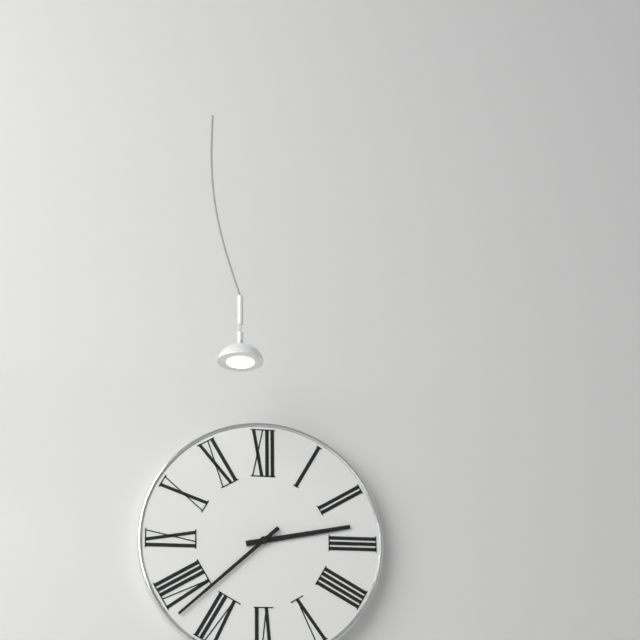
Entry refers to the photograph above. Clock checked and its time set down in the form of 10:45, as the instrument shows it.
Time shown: 2:38
